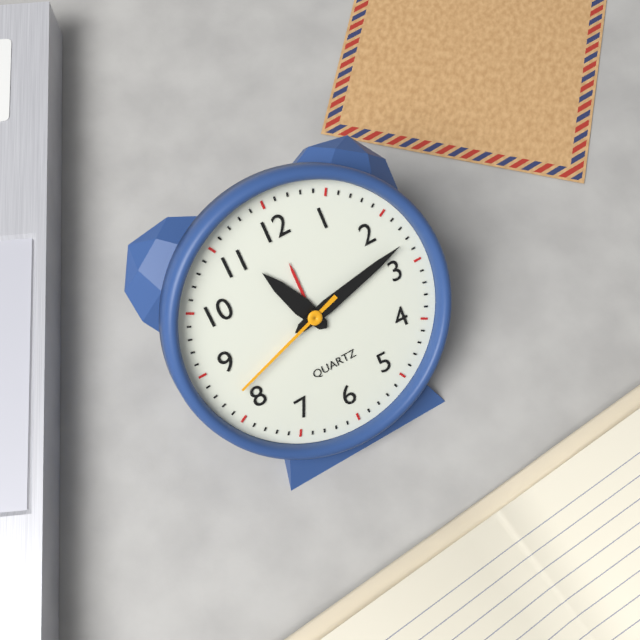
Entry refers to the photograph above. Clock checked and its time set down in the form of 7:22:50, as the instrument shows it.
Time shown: 11:13:42
